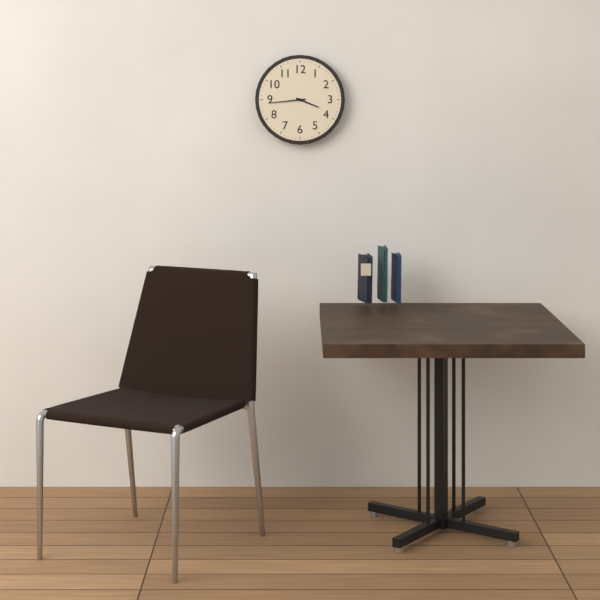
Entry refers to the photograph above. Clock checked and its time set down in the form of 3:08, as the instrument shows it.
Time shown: 3:44
